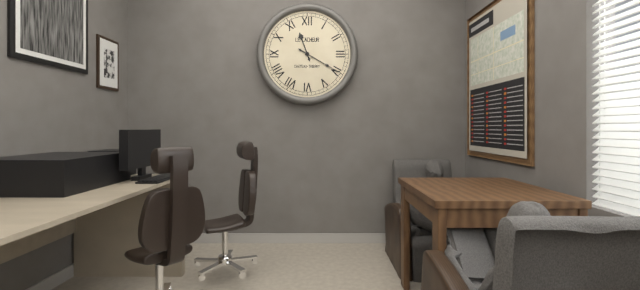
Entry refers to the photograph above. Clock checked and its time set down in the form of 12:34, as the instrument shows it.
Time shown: 11:20
